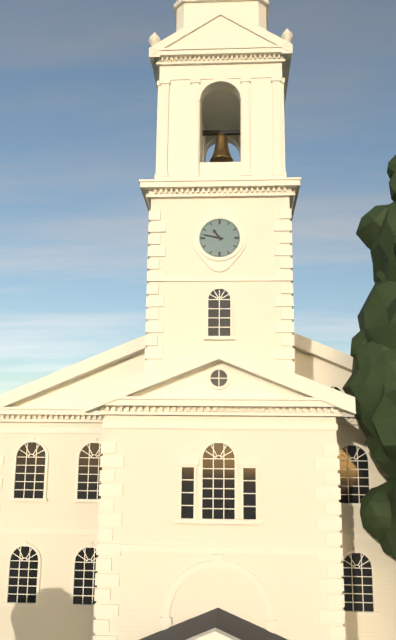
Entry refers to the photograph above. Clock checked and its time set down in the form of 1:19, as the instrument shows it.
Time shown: 10:47
